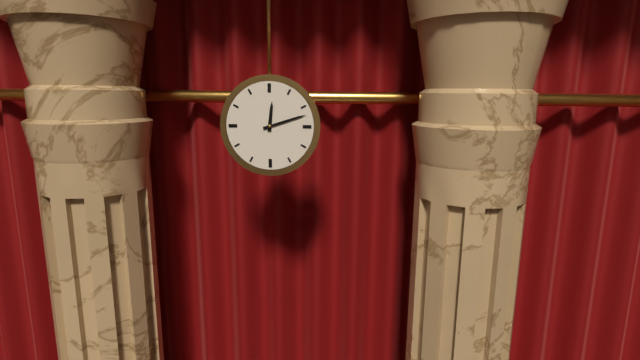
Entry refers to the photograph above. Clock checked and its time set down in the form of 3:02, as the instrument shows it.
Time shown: 12:12
